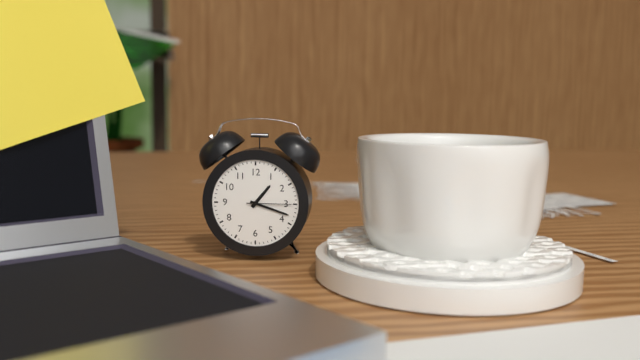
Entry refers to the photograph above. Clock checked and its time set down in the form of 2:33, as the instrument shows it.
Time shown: 1:18
